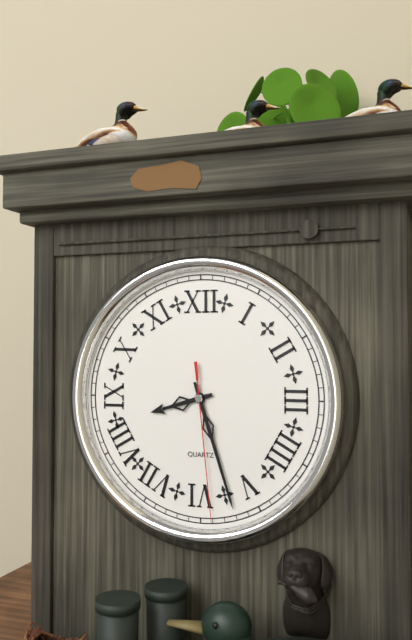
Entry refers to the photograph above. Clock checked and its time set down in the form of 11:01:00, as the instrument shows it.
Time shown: 8:27:29
